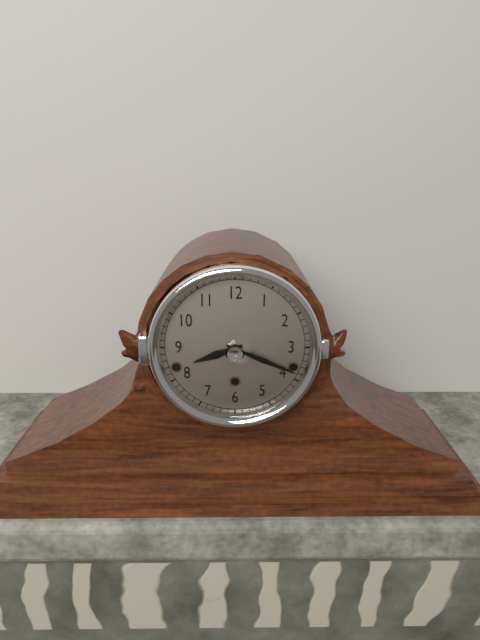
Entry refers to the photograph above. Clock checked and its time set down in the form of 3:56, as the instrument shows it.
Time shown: 8:19
